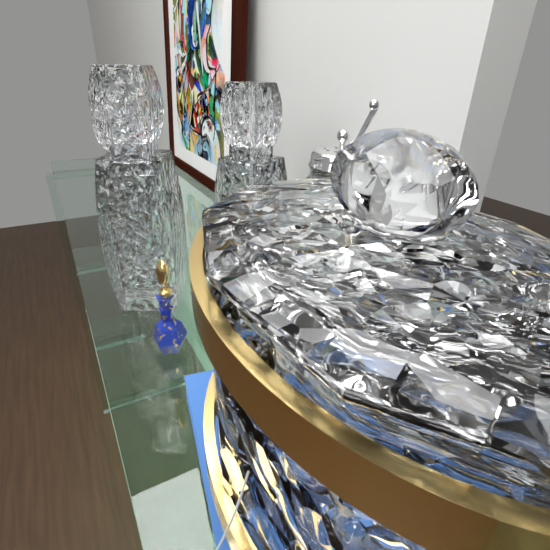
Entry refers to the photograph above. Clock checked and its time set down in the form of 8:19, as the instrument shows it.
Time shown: 3:18
